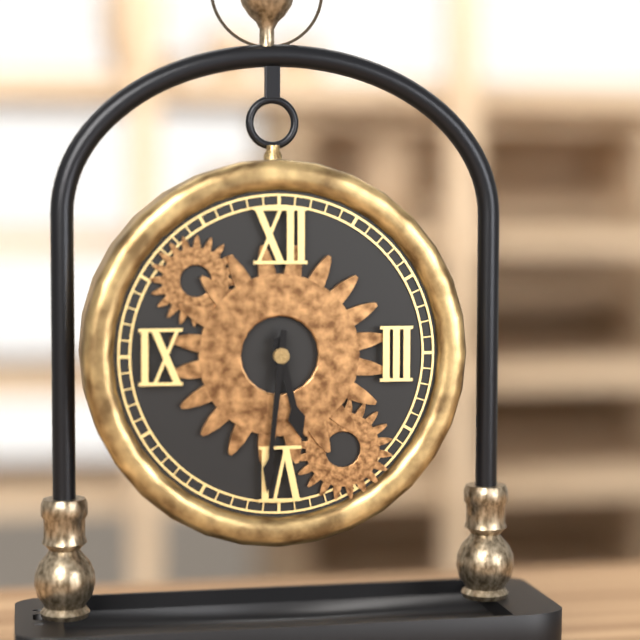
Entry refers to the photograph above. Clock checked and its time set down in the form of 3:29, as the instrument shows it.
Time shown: 5:31
